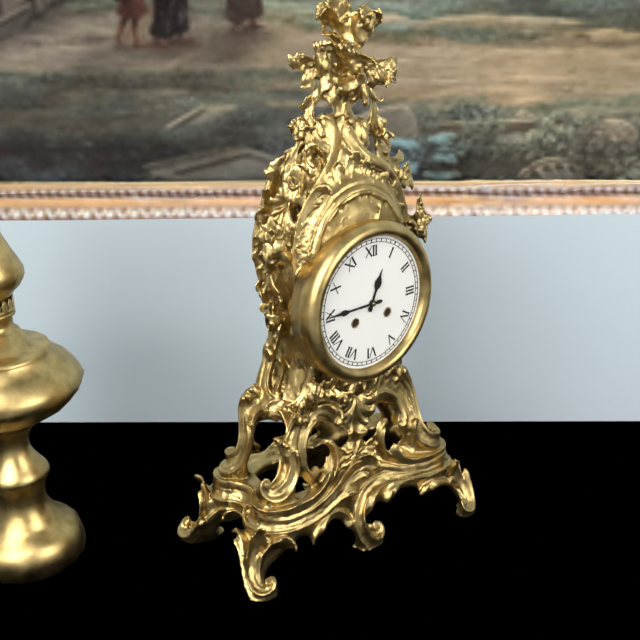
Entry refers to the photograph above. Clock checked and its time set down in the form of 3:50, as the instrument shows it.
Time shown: 12:45
